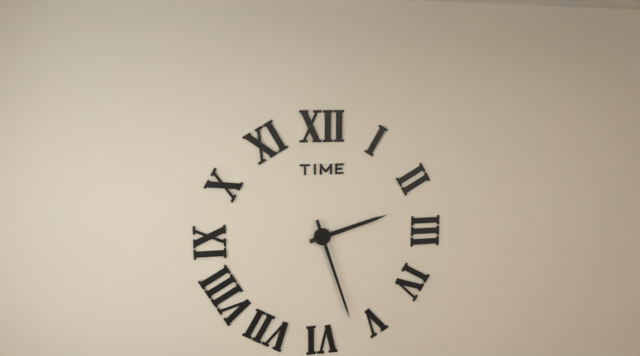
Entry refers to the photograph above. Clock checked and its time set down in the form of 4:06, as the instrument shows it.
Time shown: 2:27
